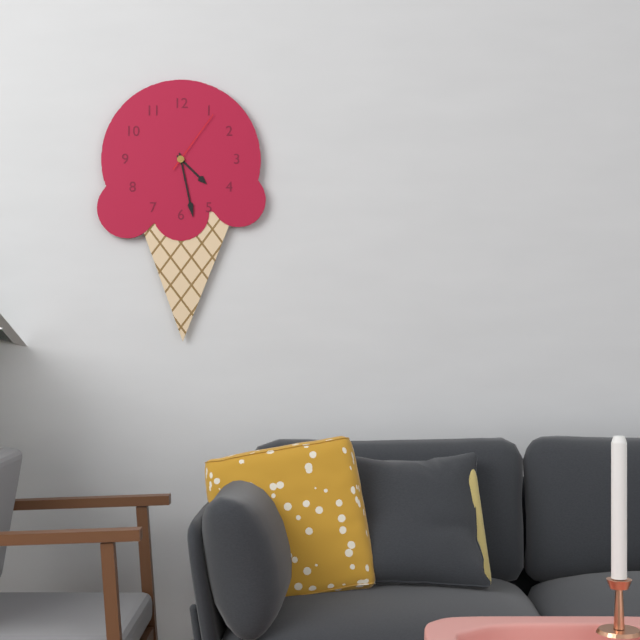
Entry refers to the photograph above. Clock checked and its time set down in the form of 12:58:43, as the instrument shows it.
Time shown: 4:28:06
